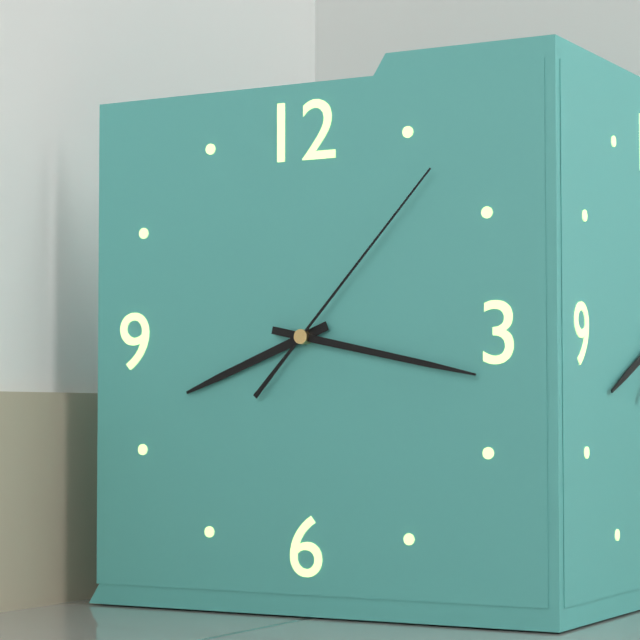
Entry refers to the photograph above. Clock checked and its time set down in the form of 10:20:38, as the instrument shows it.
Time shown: 8:17:07
